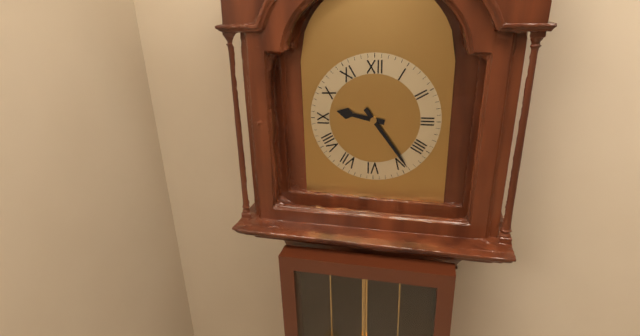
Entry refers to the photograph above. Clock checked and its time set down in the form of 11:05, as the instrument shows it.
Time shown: 9:24
